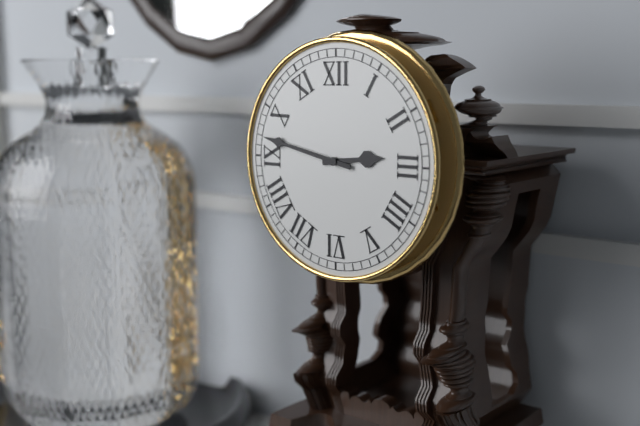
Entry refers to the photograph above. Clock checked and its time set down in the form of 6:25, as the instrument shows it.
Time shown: 2:47
